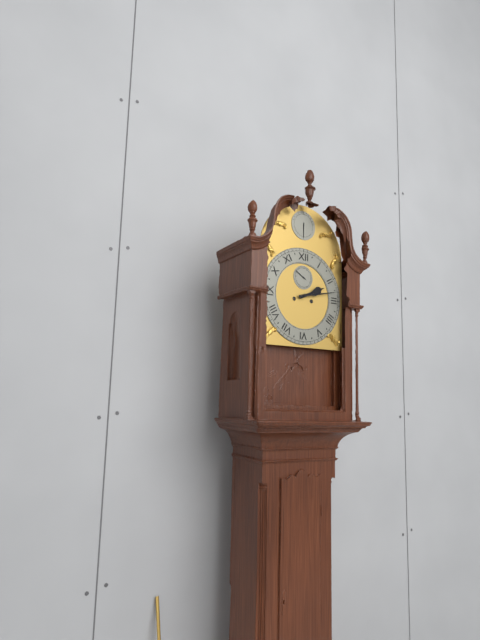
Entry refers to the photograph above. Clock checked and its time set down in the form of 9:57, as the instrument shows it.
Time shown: 2:13
